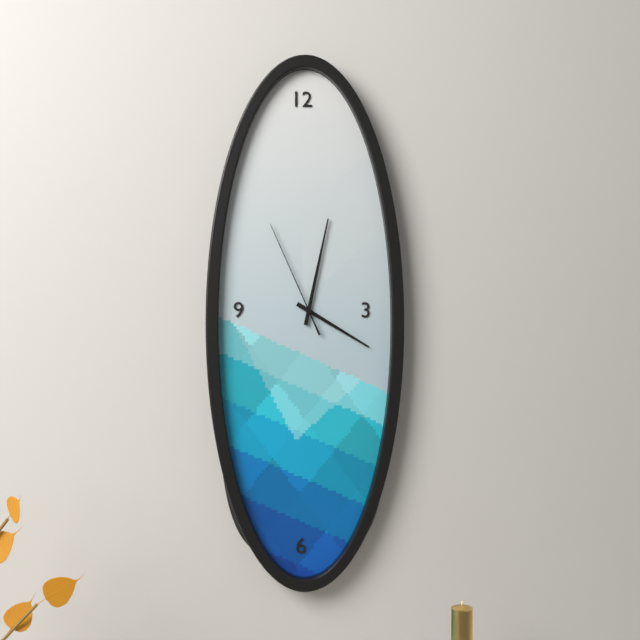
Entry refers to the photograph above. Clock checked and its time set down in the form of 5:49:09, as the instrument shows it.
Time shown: 4:02:56
